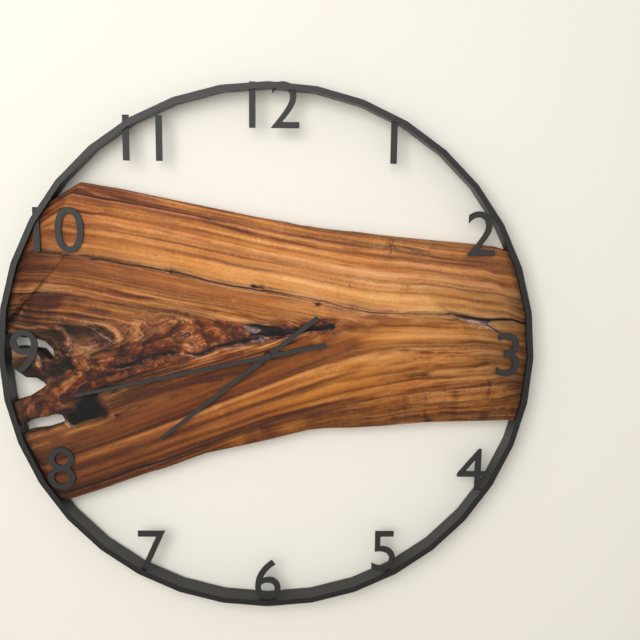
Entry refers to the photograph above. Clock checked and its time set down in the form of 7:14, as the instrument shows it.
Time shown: 7:43
